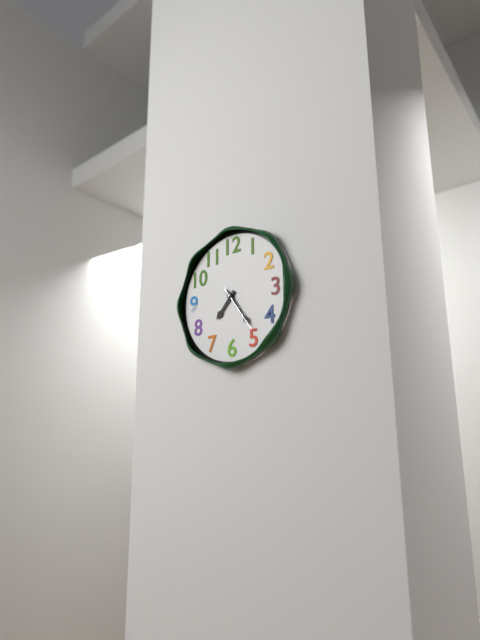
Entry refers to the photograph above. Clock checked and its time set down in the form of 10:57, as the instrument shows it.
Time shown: 7:24
